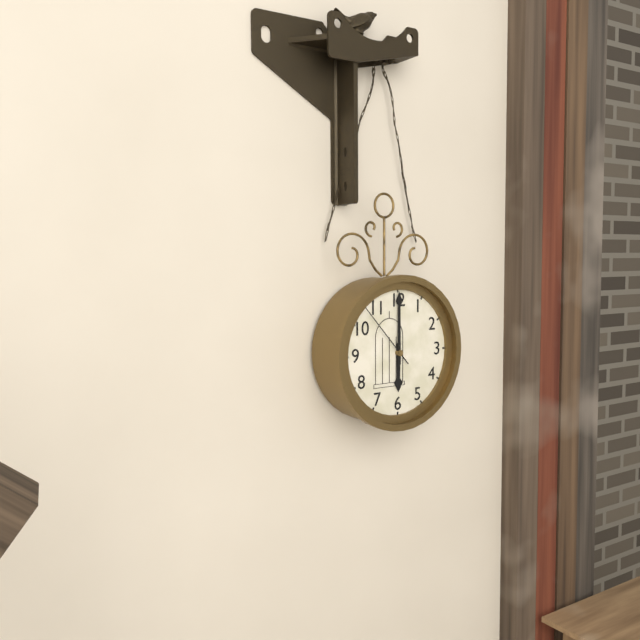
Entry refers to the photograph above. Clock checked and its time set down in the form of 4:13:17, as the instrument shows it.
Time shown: 6:00:53
